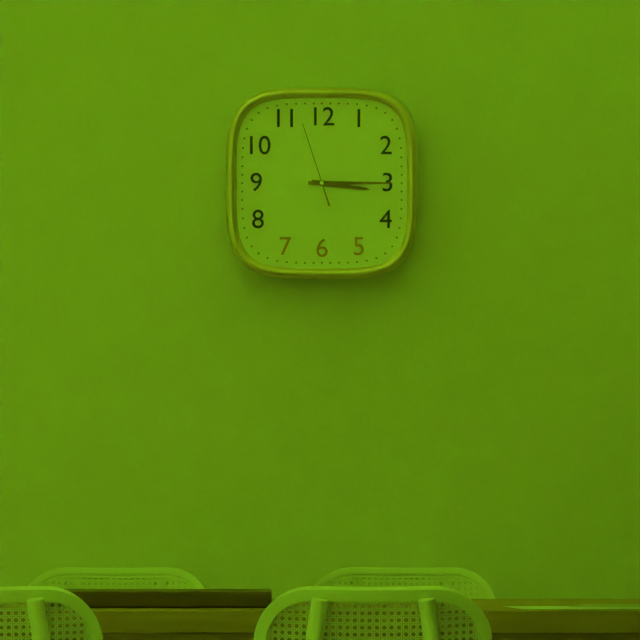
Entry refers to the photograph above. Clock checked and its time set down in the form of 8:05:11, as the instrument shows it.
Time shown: 3:15:57
